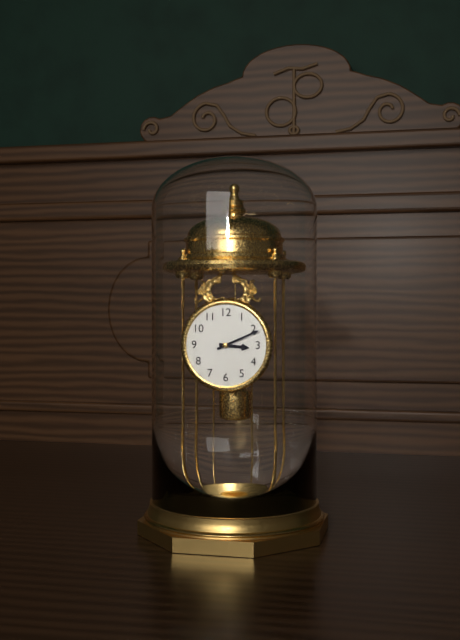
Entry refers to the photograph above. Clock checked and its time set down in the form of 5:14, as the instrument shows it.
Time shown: 3:11
